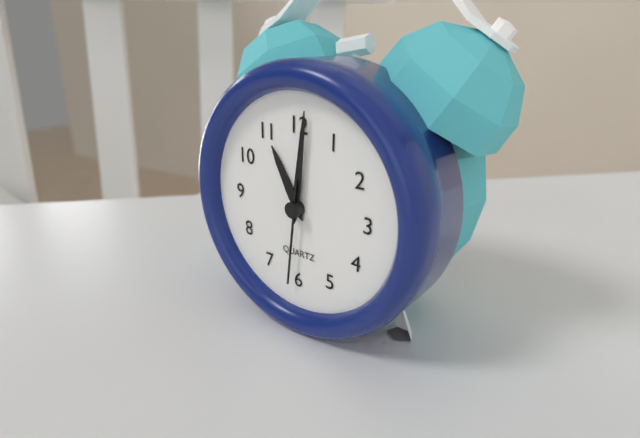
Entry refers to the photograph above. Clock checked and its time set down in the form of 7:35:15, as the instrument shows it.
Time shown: 11:01:31
